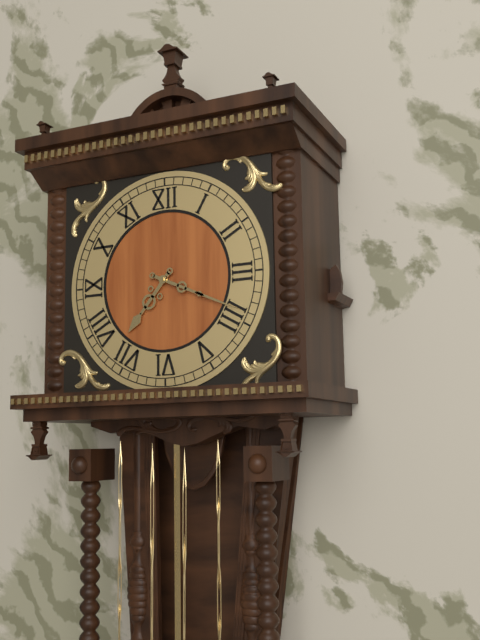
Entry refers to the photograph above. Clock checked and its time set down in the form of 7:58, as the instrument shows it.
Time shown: 7:19
